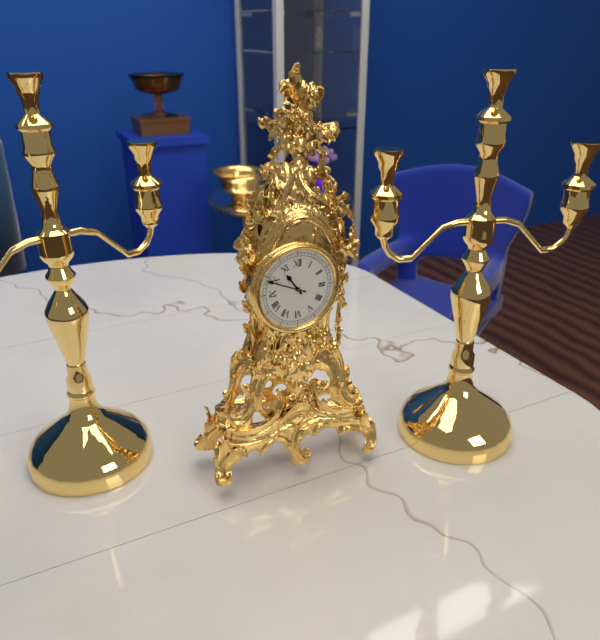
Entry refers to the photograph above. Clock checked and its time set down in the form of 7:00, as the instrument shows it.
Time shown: 10:49
